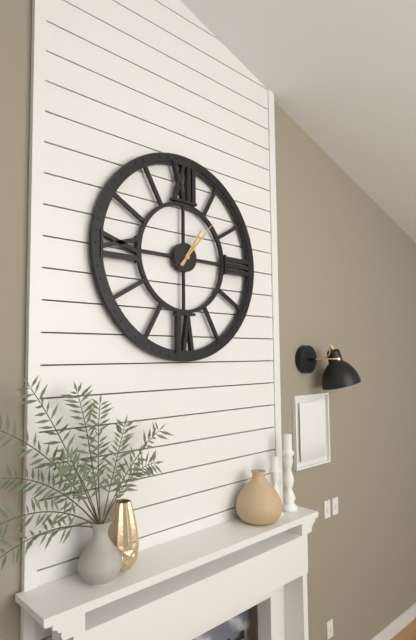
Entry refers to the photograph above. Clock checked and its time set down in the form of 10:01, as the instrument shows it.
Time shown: 1:07
